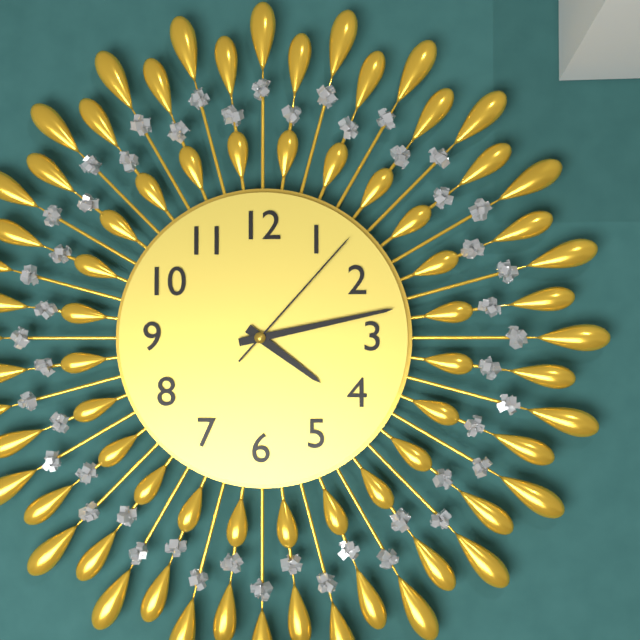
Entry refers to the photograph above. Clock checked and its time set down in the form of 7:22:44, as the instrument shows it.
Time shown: 4:13:07
